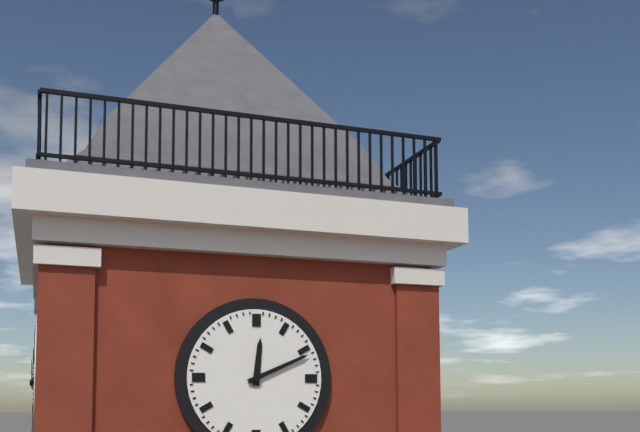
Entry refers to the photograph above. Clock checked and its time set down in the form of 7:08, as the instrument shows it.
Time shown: 12:11
